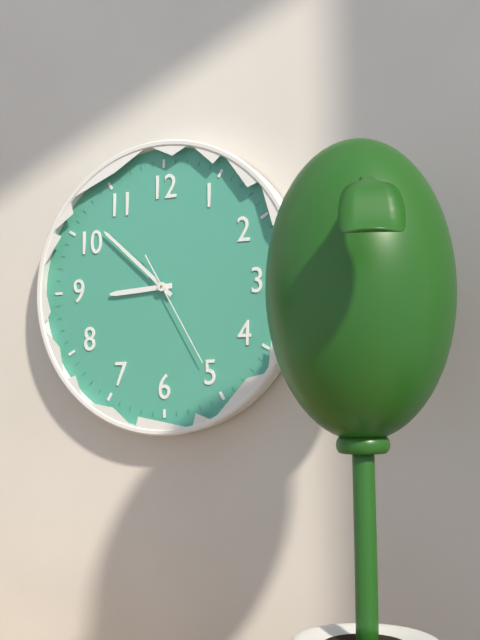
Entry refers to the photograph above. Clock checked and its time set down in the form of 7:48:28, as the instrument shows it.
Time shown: 8:52:25
